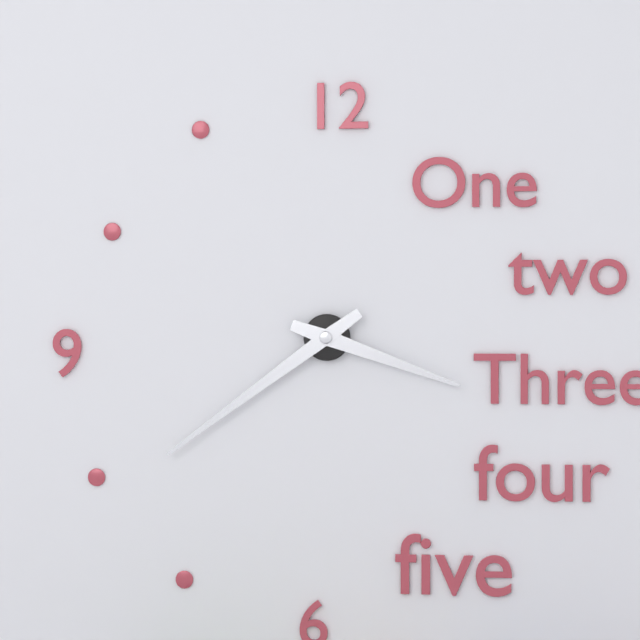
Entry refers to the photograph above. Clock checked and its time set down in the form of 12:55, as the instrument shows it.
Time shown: 3:39
